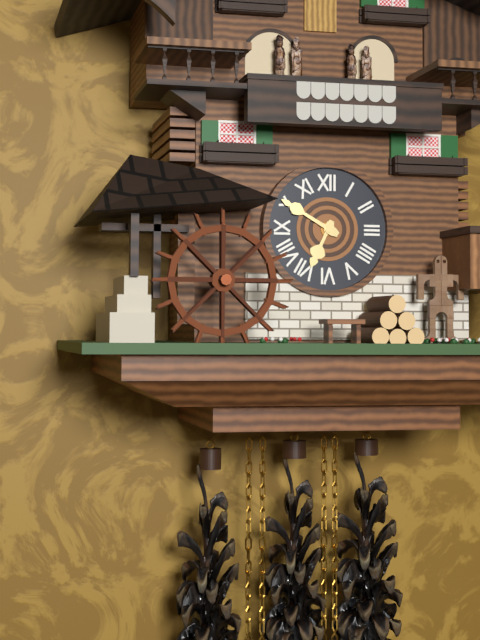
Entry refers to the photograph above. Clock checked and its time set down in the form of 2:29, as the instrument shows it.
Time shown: 6:50
